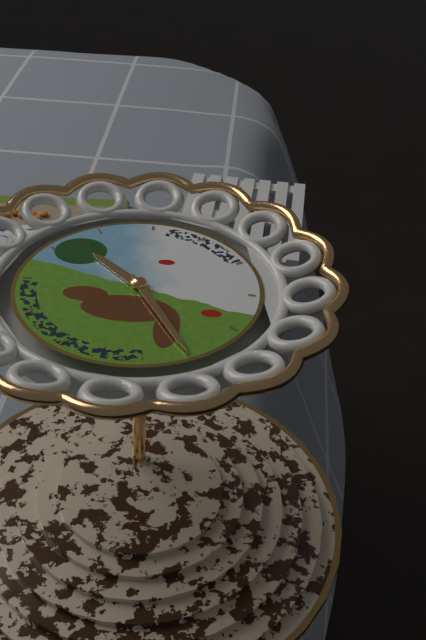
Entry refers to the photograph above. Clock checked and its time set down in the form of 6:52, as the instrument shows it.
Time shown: 10:25
